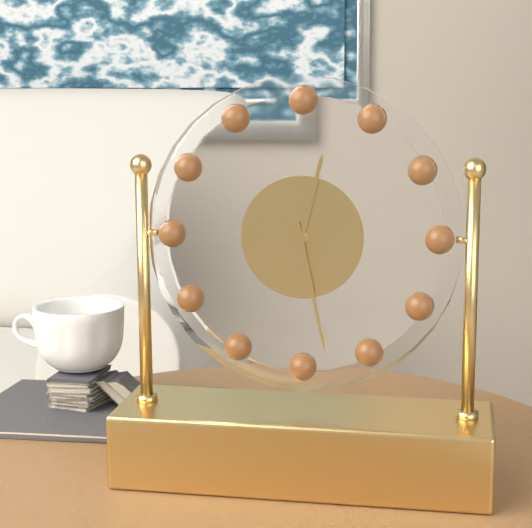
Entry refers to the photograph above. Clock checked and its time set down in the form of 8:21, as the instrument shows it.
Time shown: 12:28
